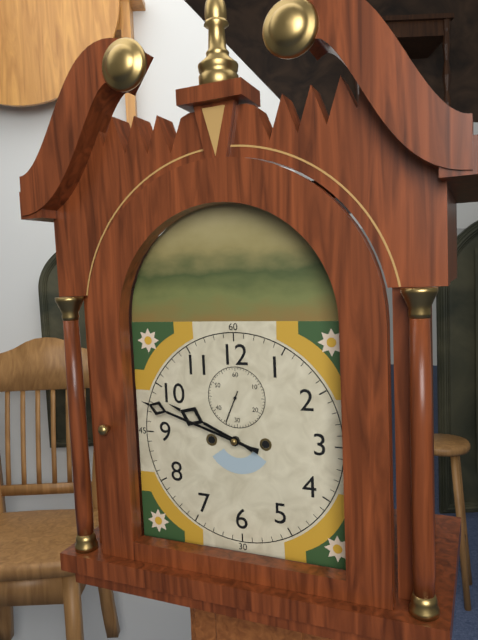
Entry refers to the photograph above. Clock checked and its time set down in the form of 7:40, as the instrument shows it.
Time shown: 9:48
